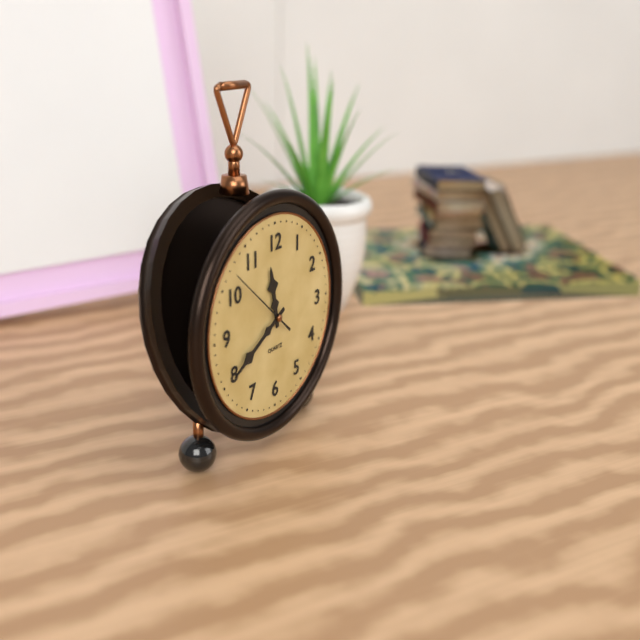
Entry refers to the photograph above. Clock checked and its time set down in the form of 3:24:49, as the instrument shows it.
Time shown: 11:40:52
